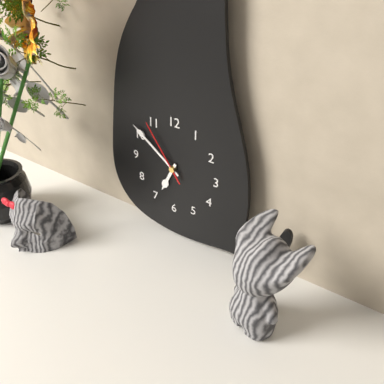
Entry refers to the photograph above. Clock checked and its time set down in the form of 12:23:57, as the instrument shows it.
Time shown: 6:51:54
